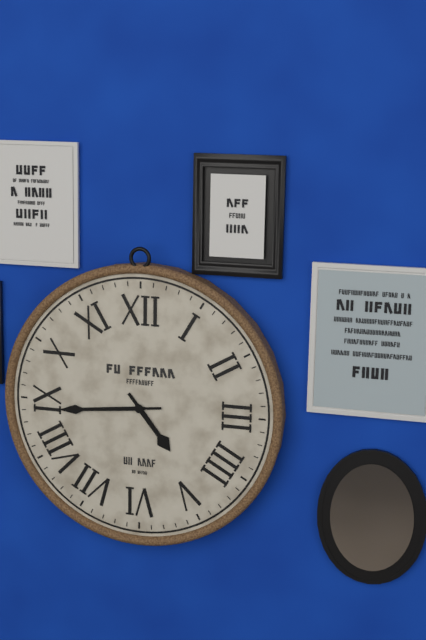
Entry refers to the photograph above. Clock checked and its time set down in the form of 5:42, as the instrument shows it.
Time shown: 4:44
